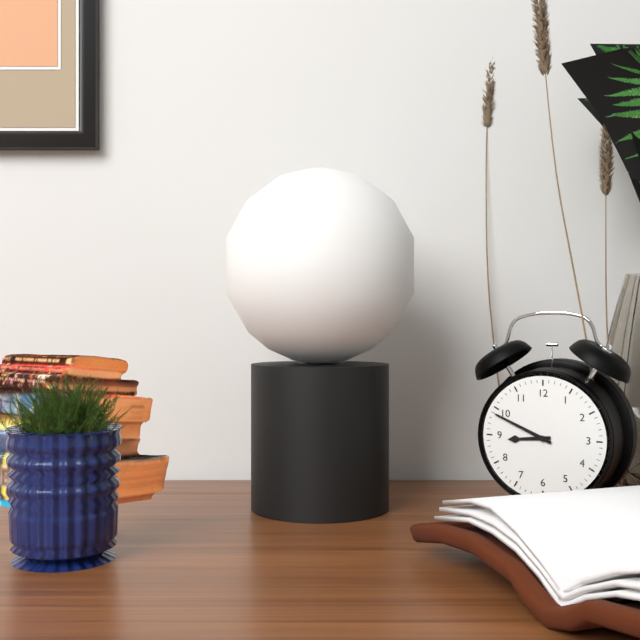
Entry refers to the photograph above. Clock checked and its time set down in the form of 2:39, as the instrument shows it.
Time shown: 8:49
